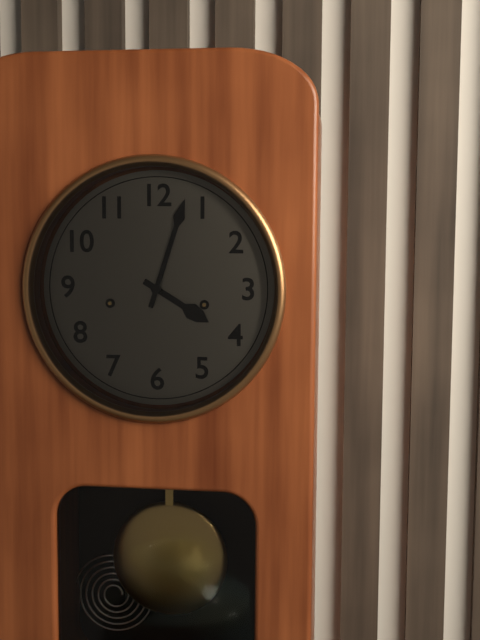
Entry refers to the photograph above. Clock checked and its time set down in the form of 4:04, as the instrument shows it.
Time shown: 4:03
